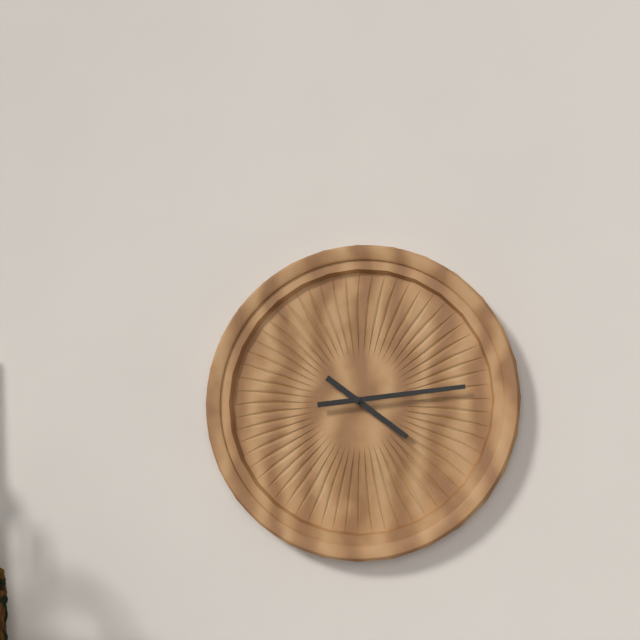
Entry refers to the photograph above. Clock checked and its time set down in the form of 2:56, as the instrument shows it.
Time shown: 4:14
